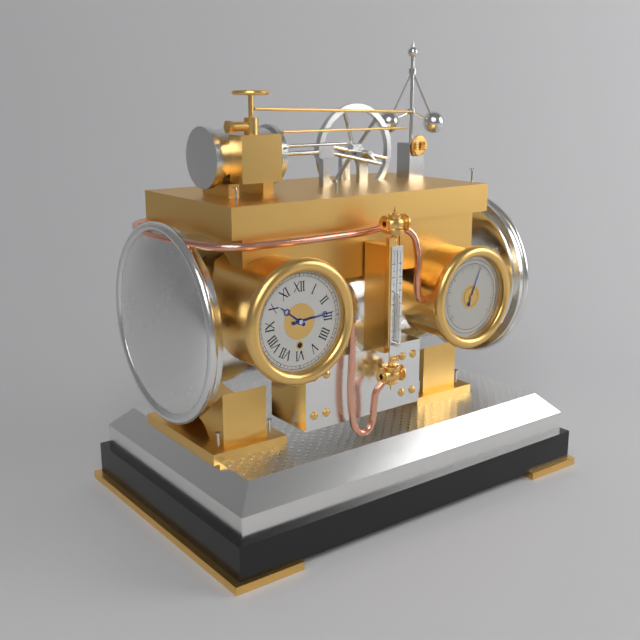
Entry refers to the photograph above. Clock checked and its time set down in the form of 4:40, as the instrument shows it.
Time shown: 10:14
